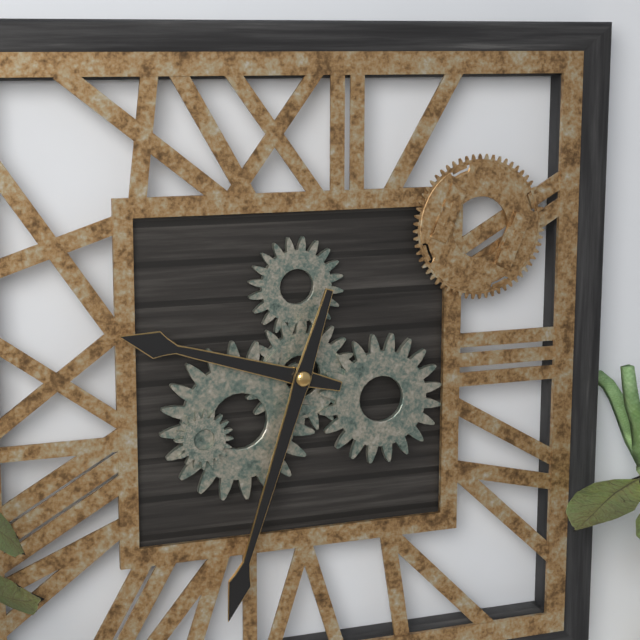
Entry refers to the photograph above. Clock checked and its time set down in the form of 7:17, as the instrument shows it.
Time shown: 9:33
